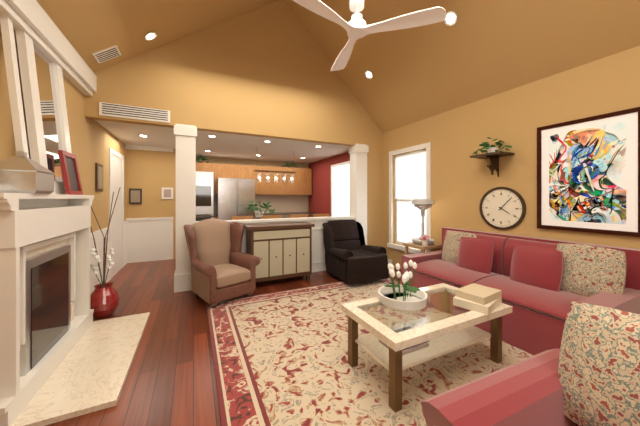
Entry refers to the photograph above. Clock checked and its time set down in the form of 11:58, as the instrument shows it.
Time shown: 4:07
